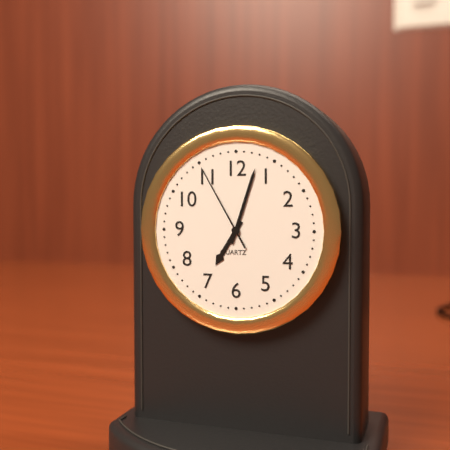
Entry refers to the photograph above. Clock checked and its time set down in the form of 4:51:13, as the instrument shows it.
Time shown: 7:03:55
